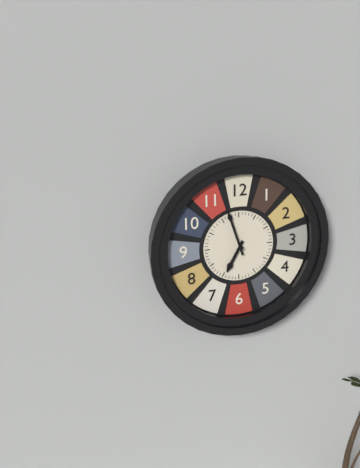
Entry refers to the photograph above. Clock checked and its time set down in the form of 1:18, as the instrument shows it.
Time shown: 6:57
